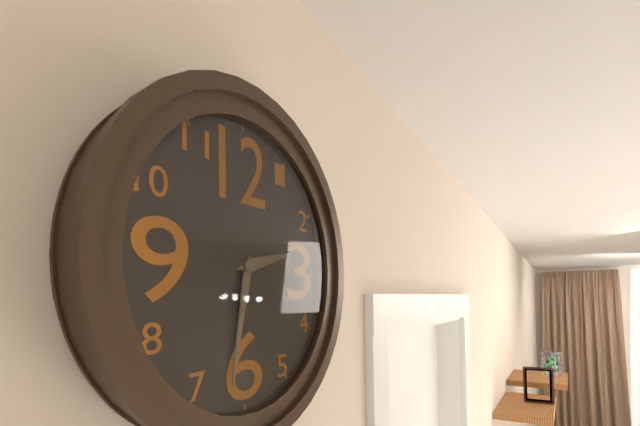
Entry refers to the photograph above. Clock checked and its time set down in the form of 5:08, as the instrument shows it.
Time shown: 2:32
